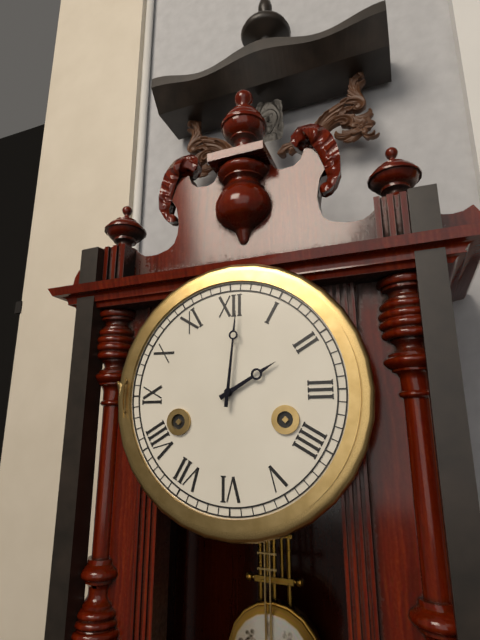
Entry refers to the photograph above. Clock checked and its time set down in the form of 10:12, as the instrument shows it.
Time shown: 2:01
